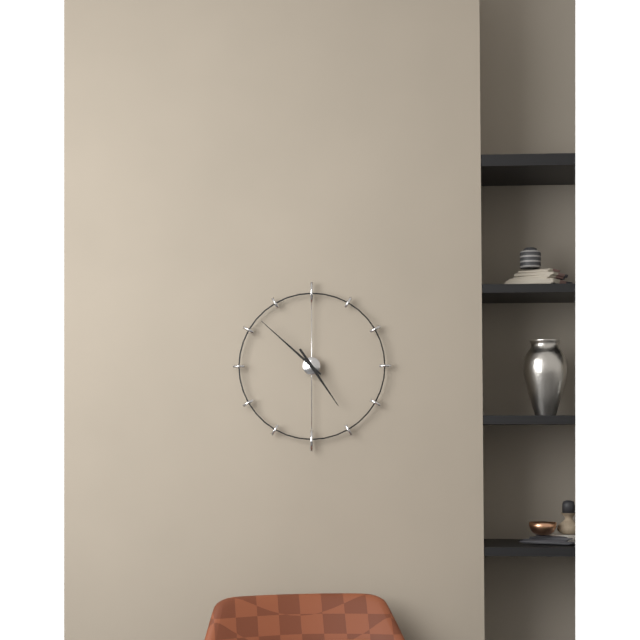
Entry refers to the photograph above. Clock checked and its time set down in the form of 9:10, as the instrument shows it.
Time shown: 4:52
